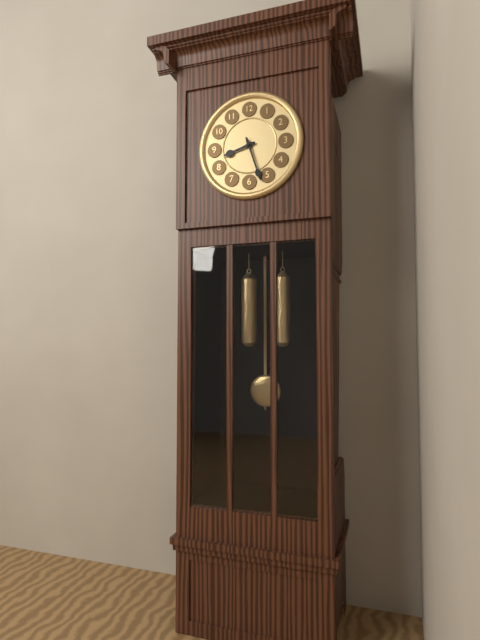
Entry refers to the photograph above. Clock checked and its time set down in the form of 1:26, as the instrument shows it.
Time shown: 8:27
